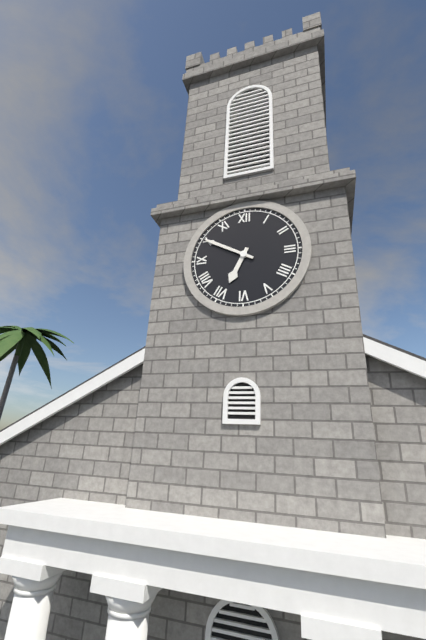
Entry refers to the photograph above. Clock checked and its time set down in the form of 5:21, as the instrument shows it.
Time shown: 6:50
